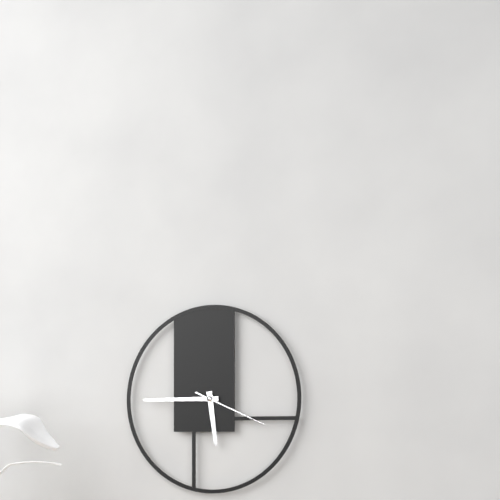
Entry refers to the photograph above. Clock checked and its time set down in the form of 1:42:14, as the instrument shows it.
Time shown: 5:45:19
